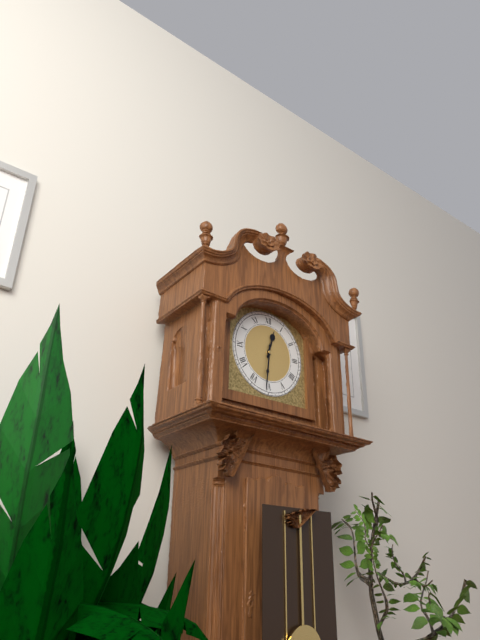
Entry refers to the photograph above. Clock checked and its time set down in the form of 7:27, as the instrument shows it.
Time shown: 12:31
